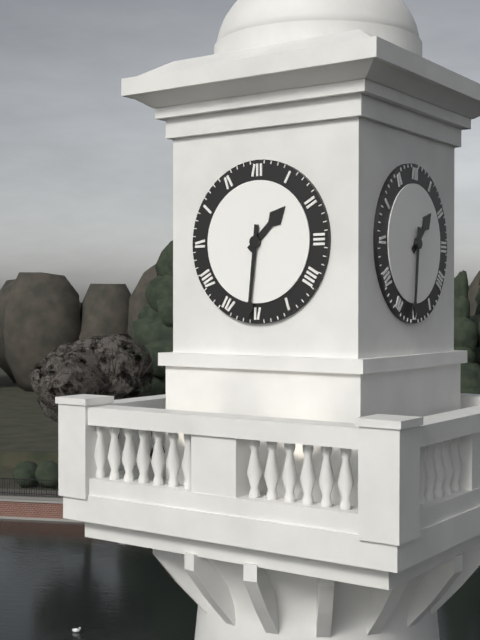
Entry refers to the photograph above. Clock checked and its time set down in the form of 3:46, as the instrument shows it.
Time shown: 1:31
